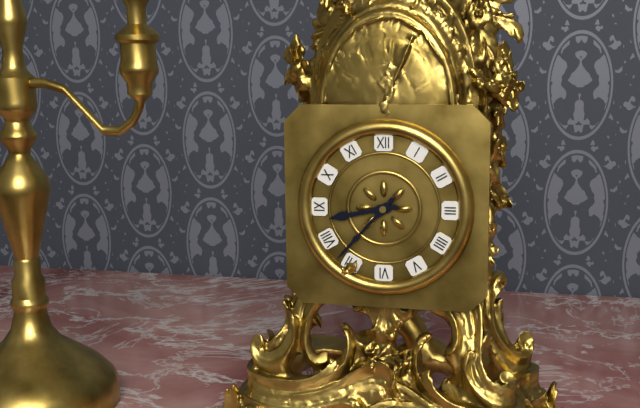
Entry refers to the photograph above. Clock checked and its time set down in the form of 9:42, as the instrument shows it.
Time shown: 8:37
